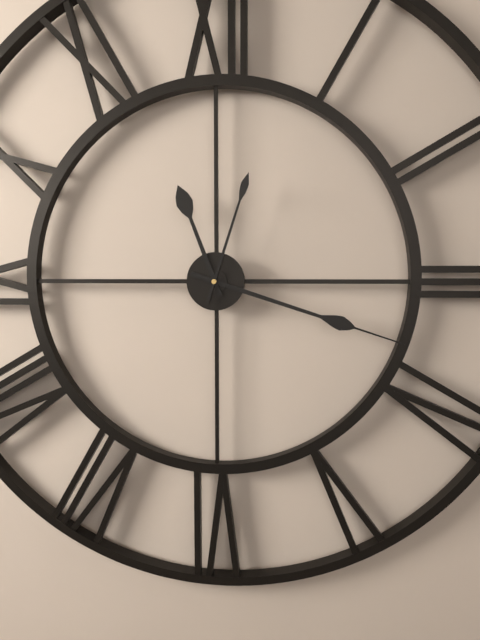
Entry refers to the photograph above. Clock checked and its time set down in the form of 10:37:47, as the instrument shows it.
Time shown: 11:18:03
